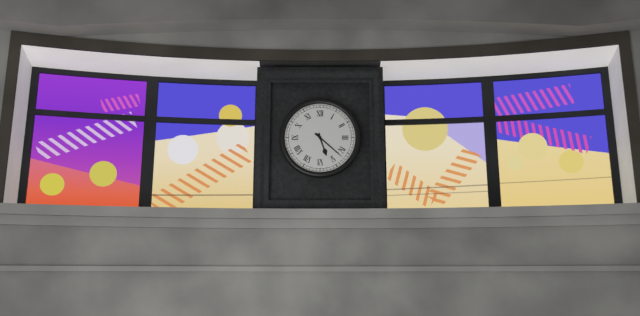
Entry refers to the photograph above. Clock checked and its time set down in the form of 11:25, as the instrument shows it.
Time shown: 5:22
